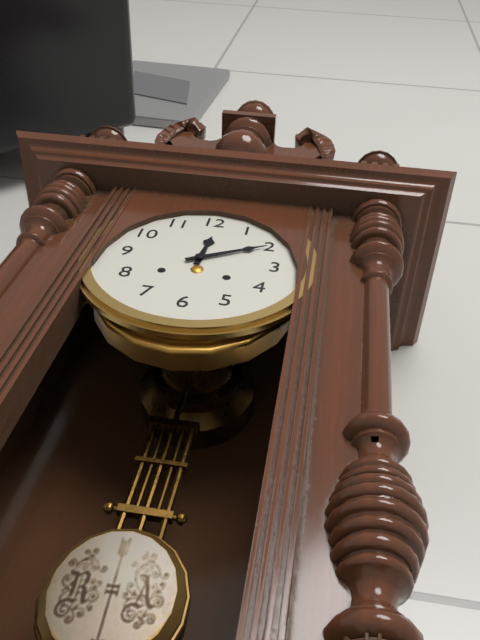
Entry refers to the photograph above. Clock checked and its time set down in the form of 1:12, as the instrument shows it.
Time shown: 12:10
